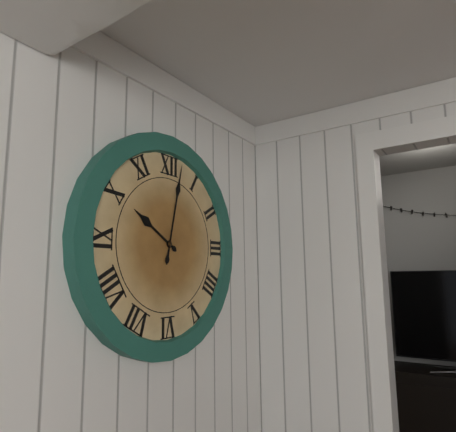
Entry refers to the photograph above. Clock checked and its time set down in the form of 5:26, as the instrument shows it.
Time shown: 10:02
